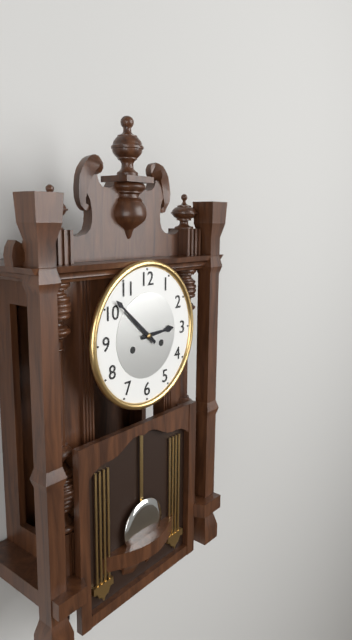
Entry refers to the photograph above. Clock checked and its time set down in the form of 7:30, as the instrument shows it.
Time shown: 2:52
